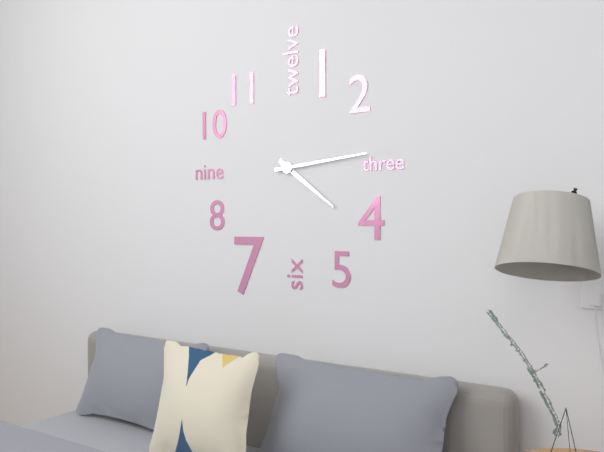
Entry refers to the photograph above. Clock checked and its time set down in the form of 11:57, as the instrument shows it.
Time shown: 4:14
